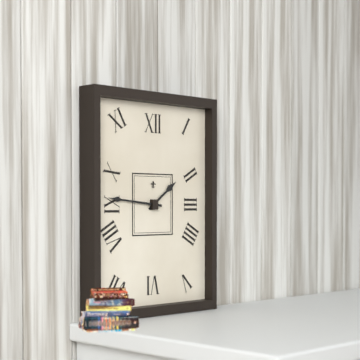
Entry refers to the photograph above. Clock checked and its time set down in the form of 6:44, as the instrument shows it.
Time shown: 1:46
